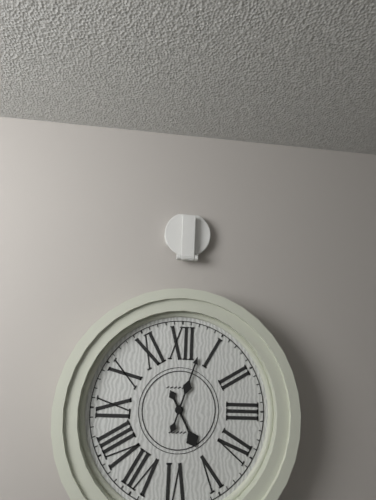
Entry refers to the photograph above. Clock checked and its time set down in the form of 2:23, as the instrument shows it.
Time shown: 5:03
